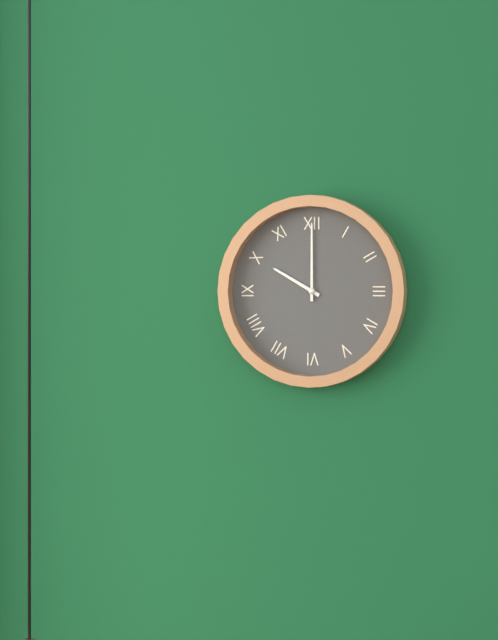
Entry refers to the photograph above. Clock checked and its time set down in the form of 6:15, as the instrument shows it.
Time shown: 10:00
